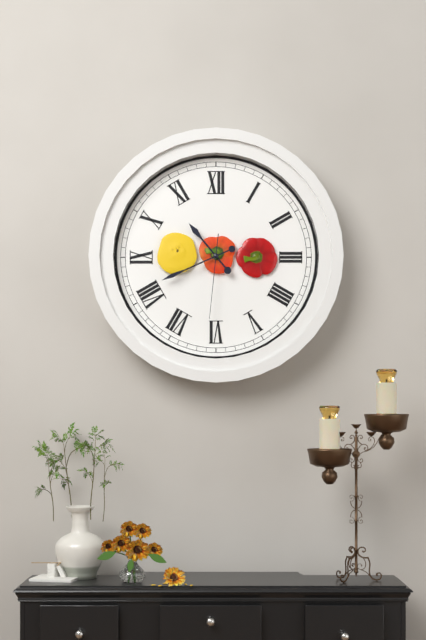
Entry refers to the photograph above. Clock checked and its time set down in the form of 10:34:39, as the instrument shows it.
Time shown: 10:41:31
